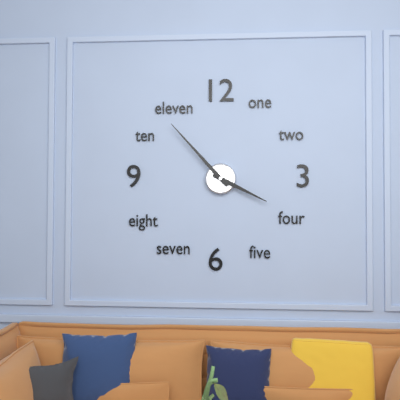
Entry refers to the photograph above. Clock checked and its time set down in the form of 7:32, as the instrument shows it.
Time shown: 3:53
